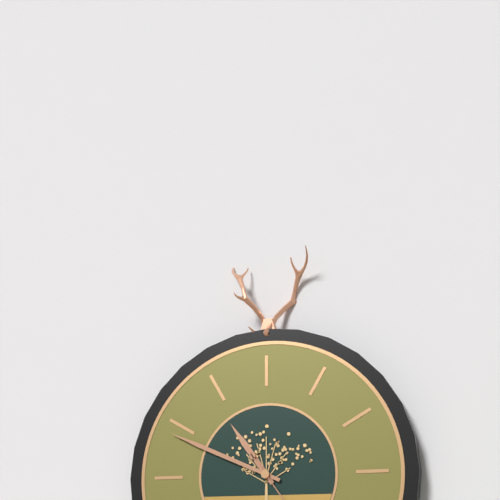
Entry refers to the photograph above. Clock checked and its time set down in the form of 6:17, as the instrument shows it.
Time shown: 10:49
